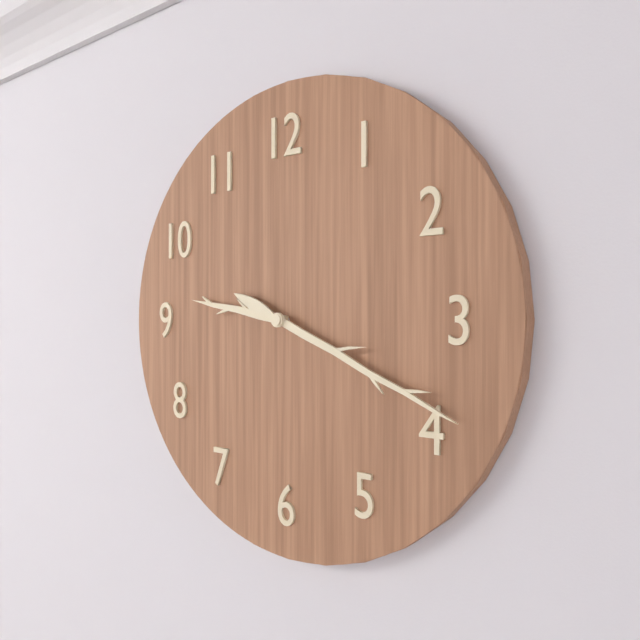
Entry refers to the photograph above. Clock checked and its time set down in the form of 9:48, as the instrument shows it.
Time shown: 9:19
